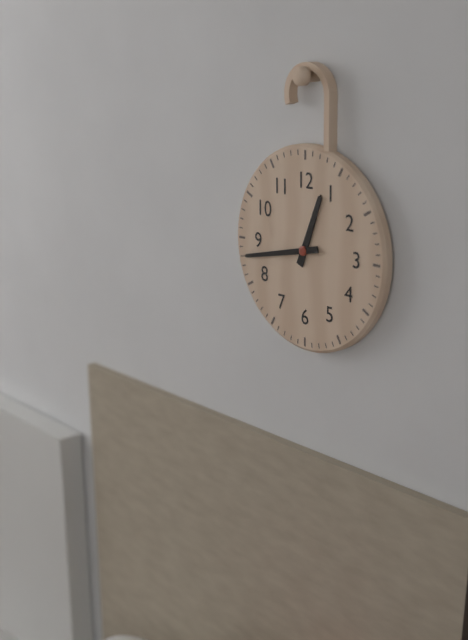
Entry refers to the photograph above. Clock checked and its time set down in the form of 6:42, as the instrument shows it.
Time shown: 12:43
